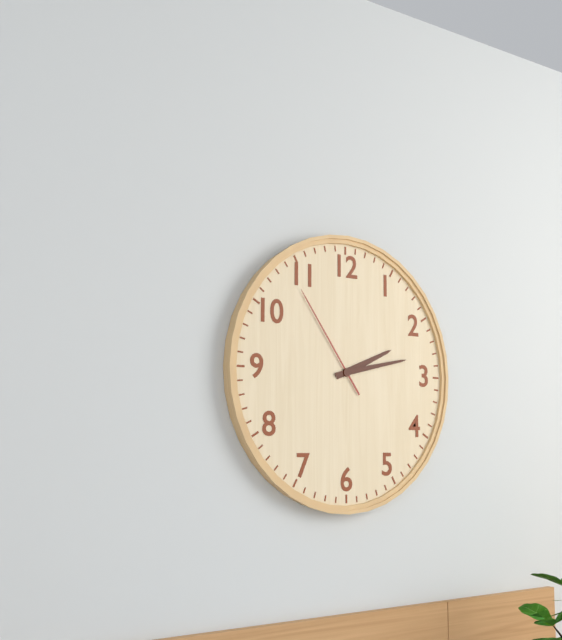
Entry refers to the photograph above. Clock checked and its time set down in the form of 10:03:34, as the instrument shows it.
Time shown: 2:13:54
